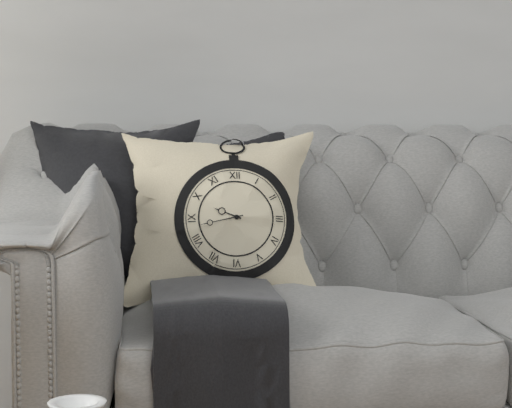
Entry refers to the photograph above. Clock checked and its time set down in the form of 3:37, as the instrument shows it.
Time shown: 9:43
